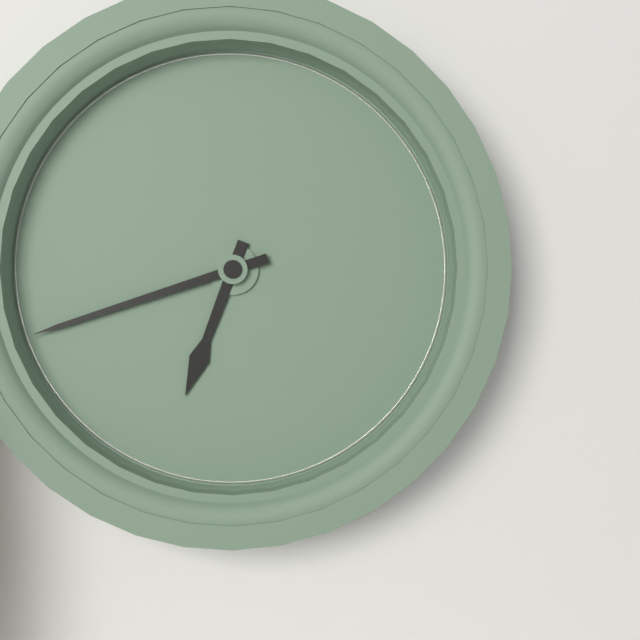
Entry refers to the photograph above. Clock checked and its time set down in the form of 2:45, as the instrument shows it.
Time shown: 6:42
